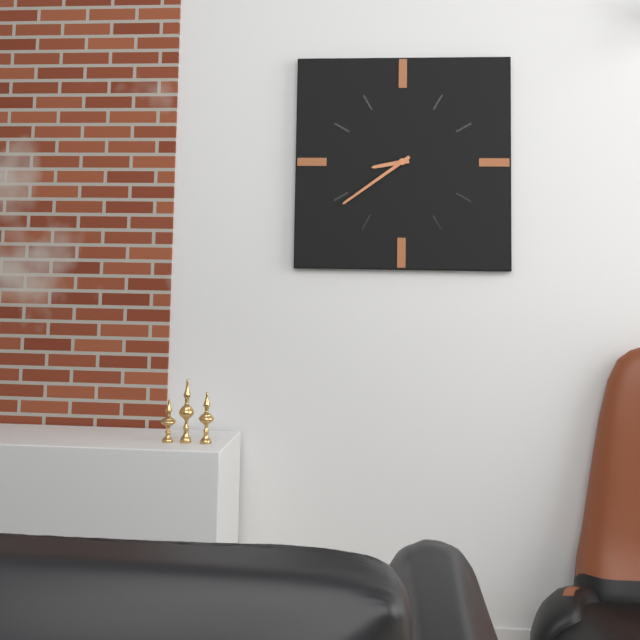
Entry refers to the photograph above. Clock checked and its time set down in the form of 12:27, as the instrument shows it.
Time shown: 8:39
